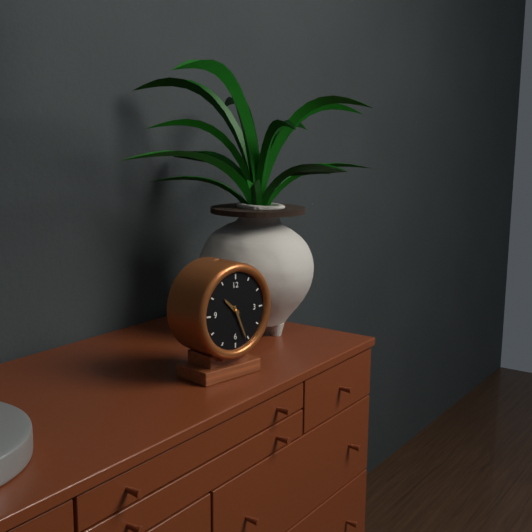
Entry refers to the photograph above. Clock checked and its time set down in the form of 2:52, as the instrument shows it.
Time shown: 10:26
